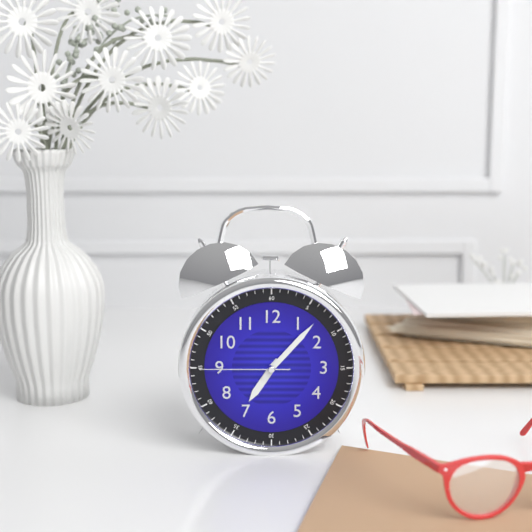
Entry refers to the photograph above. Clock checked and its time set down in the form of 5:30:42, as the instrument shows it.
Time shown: 7:07:45
